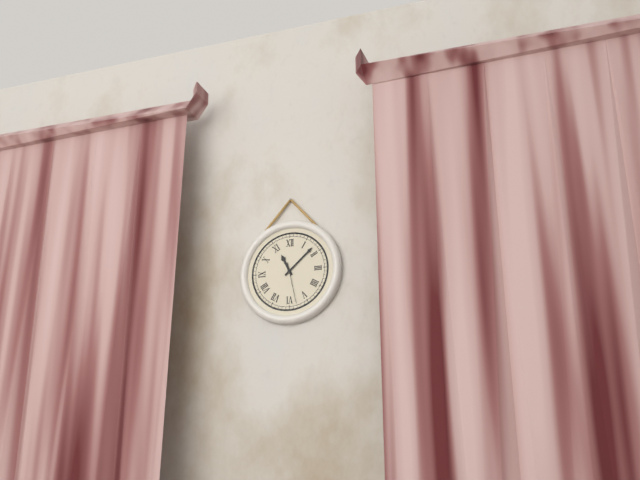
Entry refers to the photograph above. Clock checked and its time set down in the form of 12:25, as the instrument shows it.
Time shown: 11:08
